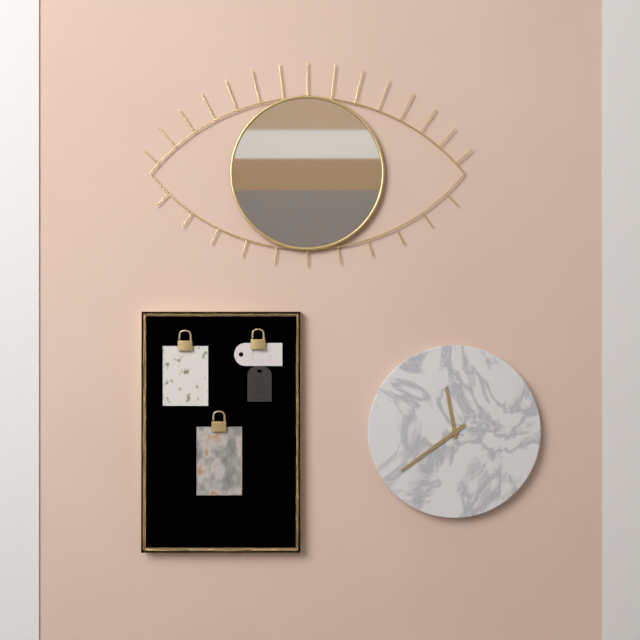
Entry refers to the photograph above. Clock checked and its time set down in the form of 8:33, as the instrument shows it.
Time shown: 11:39
